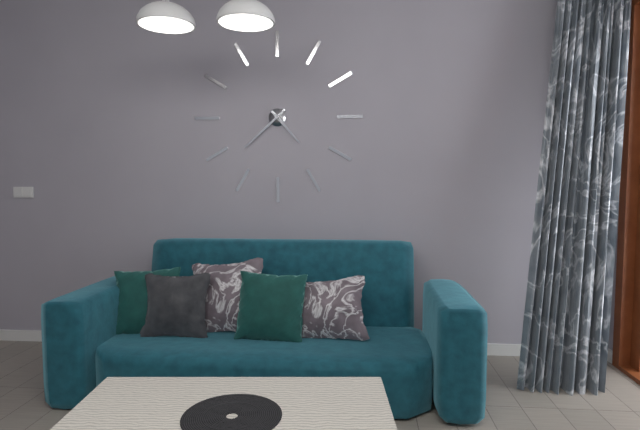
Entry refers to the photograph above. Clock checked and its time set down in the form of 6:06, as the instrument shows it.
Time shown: 4:38
